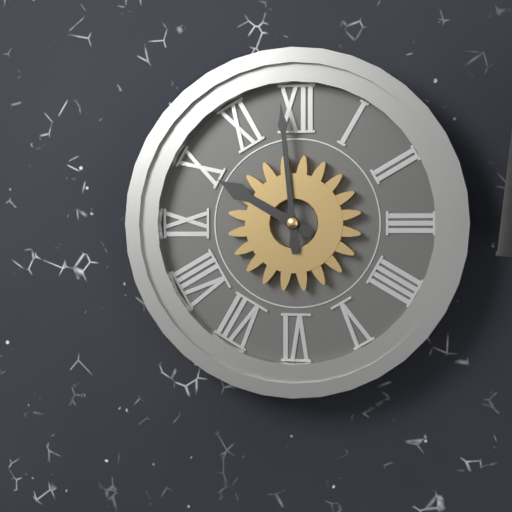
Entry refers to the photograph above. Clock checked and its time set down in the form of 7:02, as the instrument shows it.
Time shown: 9:59
